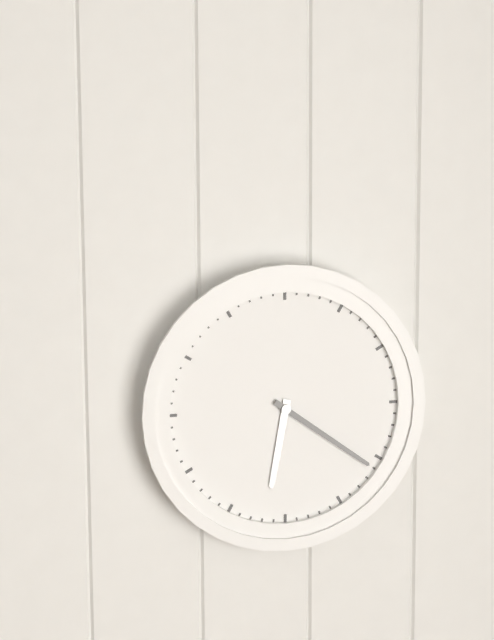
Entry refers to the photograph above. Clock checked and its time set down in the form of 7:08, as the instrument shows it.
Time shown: 6:21
